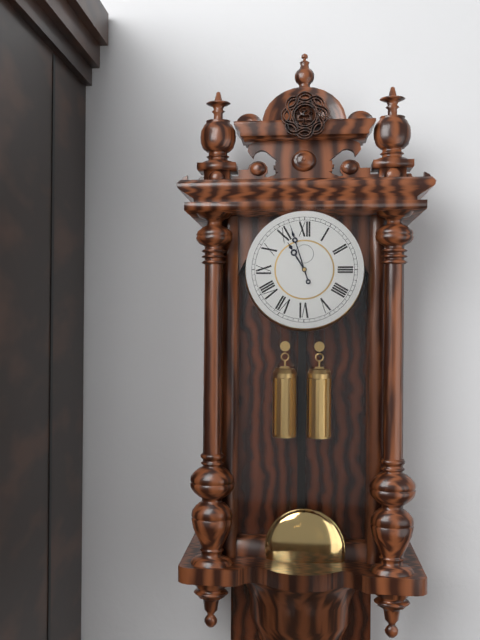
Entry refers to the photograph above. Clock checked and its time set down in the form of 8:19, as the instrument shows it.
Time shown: 10:57
